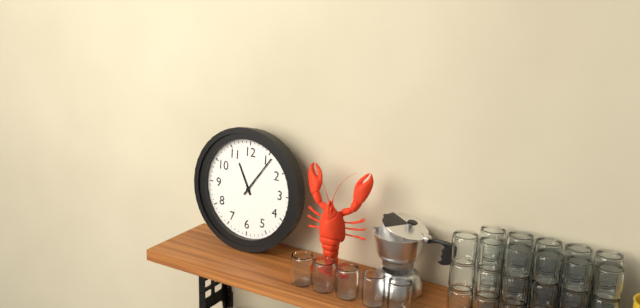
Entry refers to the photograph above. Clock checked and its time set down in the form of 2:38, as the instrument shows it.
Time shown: 11:06
